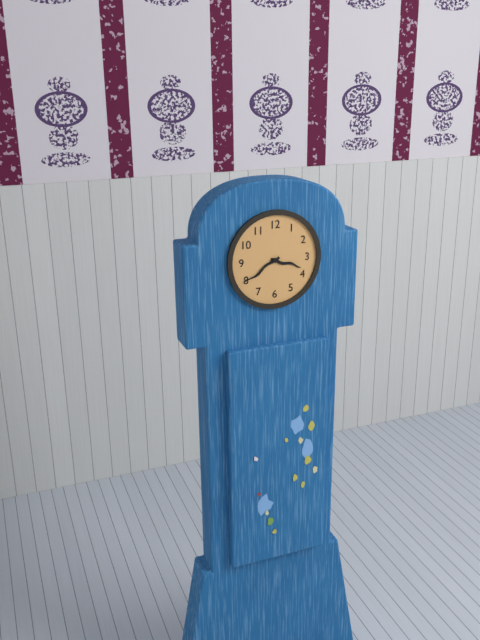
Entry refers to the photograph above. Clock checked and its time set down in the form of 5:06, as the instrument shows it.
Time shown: 3:40
